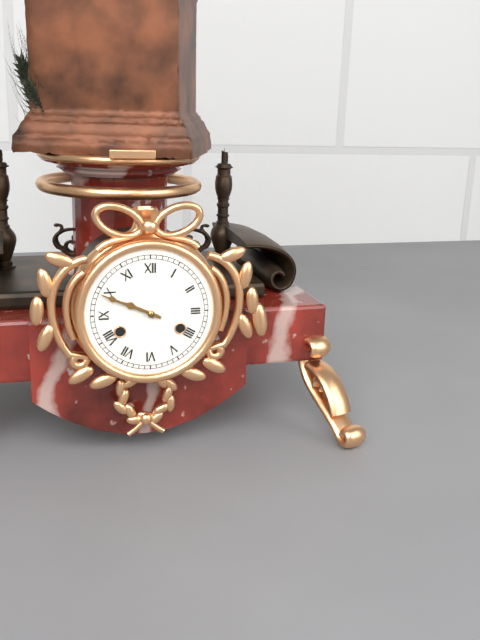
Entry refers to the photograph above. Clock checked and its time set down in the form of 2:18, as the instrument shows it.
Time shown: 9:49
